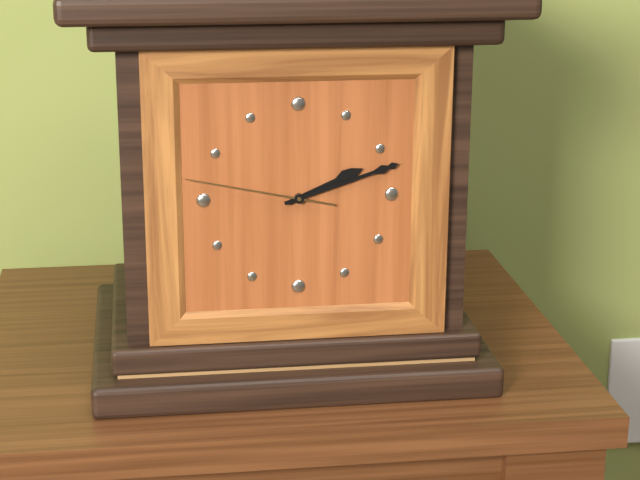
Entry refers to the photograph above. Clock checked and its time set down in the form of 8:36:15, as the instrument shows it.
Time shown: 2:12:47
